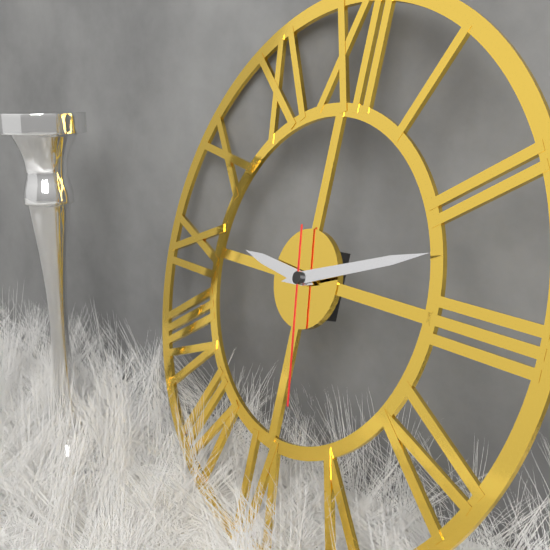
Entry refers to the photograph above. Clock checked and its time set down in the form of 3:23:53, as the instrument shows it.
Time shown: 9:12:28
